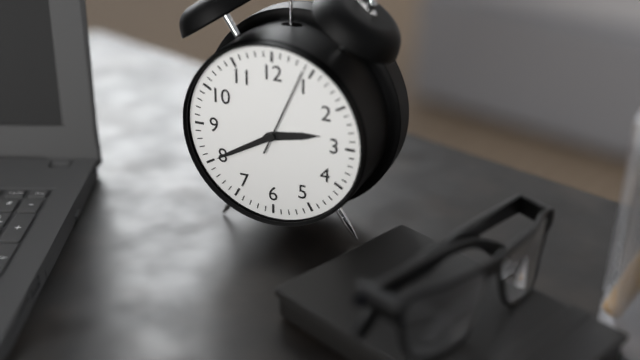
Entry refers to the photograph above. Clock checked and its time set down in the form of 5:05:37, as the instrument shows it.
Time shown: 2:40:04
